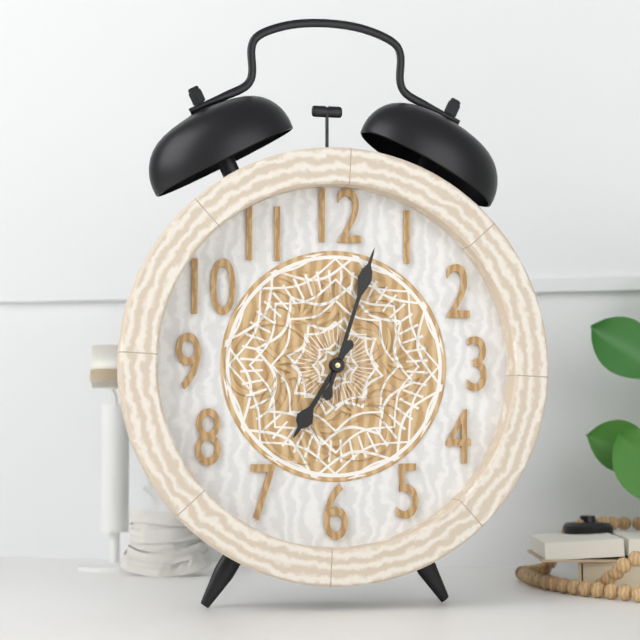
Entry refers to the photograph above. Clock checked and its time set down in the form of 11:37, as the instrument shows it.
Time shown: 7:03
